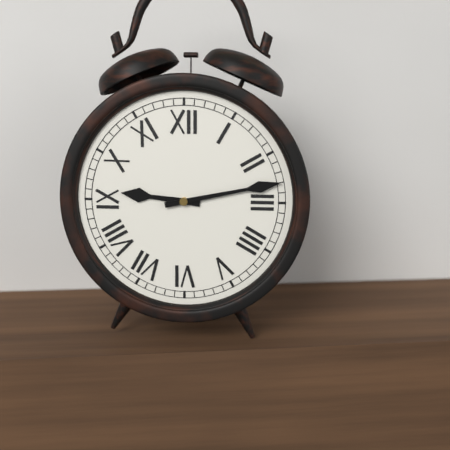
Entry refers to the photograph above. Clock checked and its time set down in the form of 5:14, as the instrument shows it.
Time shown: 9:13
